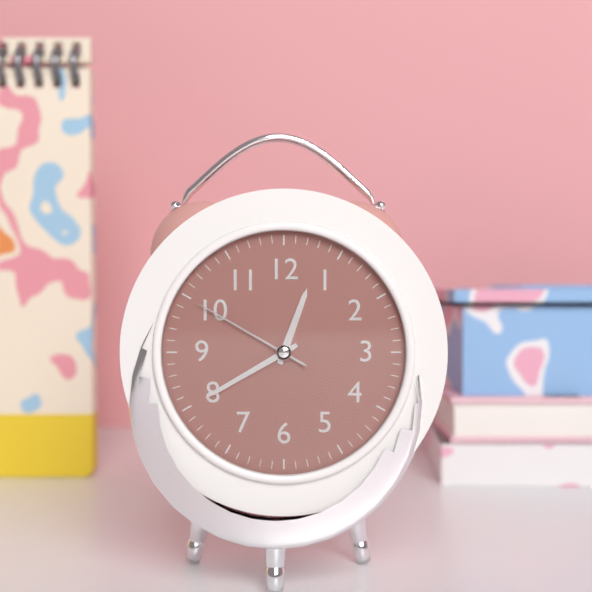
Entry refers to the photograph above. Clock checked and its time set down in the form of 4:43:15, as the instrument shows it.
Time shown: 12:40:50
